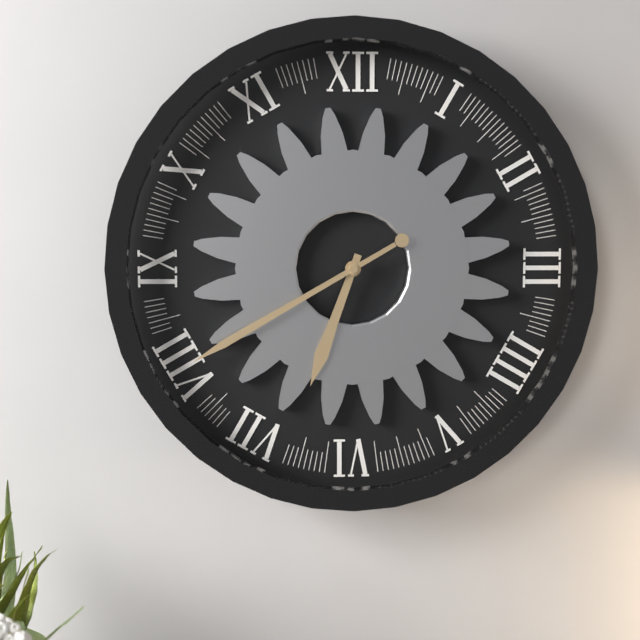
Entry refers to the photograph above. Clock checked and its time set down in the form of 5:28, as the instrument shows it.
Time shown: 6:40
